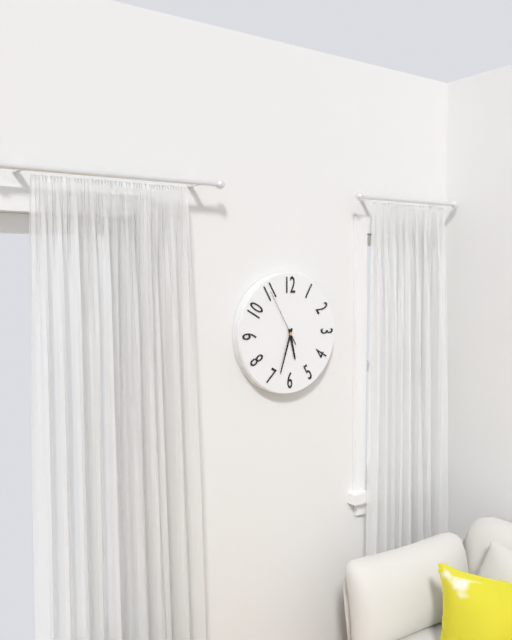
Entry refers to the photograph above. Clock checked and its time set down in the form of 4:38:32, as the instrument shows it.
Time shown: 5:33:55
